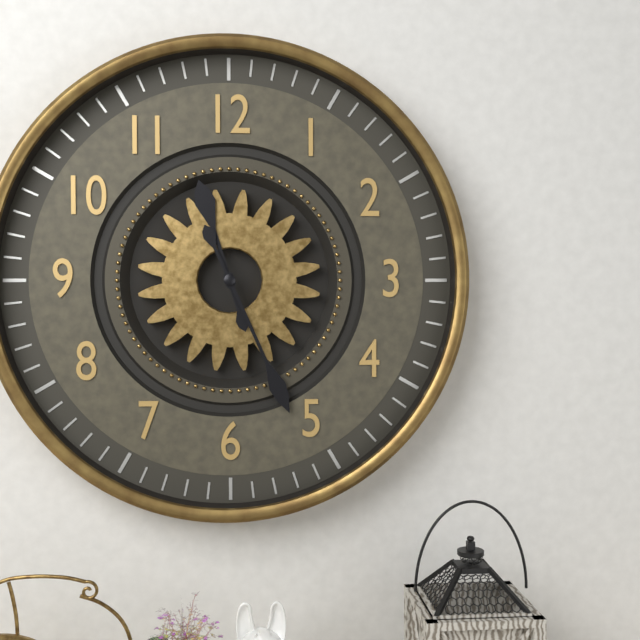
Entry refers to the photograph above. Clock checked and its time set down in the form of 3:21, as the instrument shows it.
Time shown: 11:26
